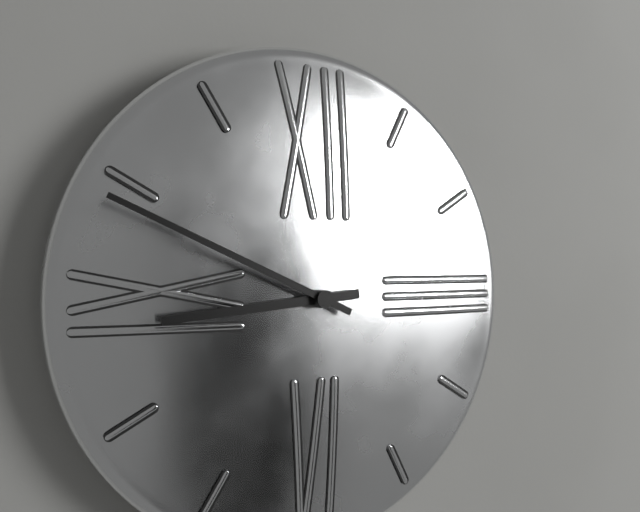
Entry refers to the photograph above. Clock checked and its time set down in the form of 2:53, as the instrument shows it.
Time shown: 8:49
